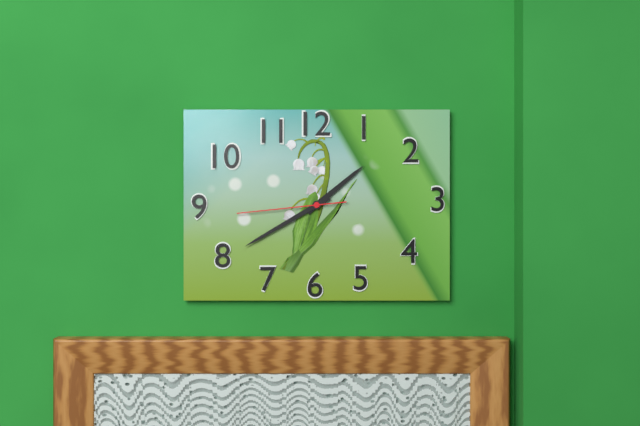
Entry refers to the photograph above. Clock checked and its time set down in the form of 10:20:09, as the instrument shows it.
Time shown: 1:40:44
